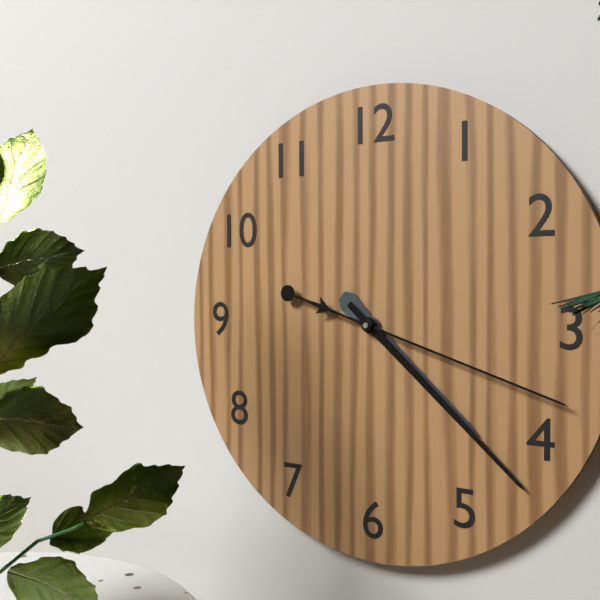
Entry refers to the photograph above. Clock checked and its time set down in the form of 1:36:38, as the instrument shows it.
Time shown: 4:22:18
